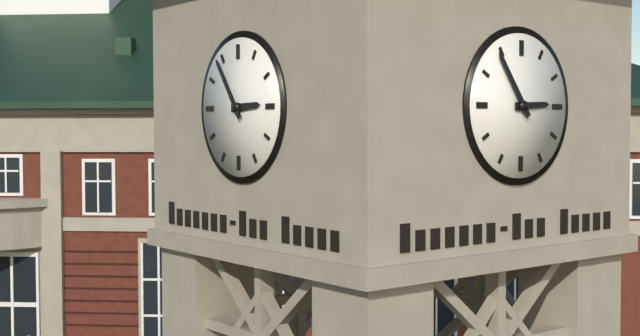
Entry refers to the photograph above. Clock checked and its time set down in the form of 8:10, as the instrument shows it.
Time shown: 2:54
